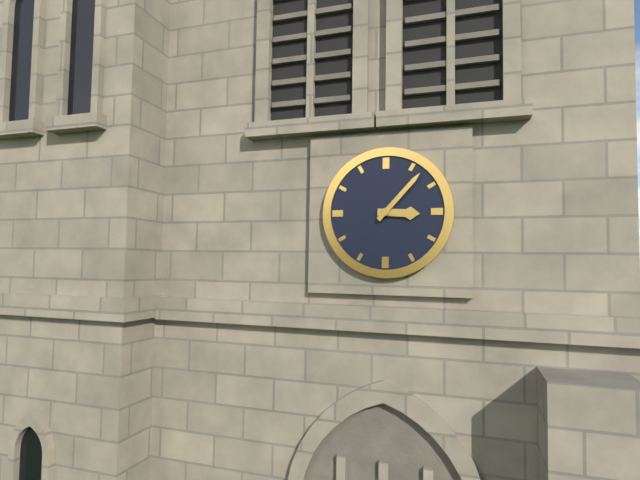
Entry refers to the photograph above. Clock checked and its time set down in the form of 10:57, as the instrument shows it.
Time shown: 3:07
